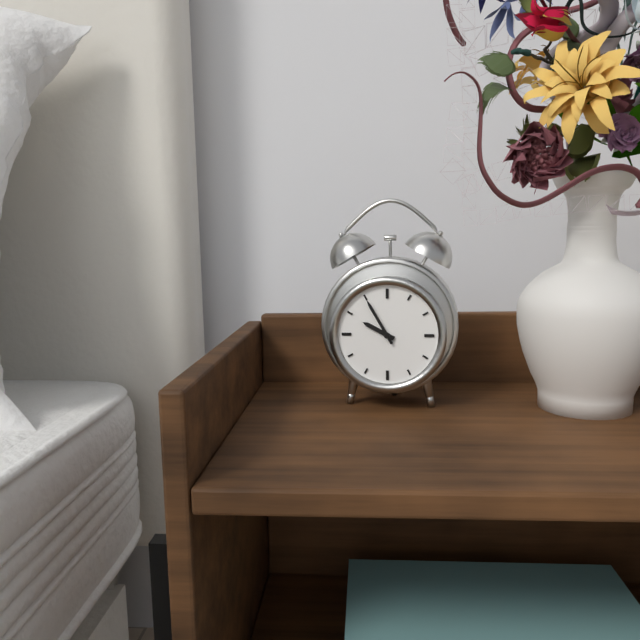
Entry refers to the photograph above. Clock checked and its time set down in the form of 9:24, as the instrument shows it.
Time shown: 9:55
